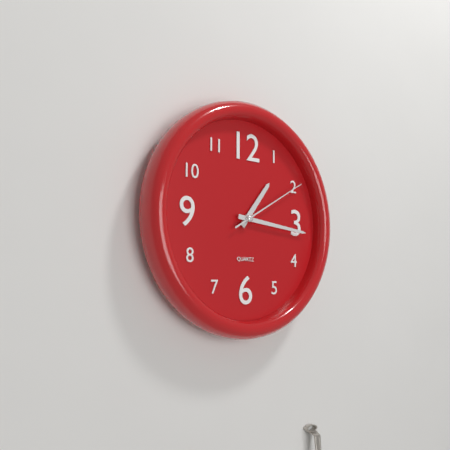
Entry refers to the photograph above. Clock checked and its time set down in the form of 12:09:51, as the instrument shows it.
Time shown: 1:16:10
